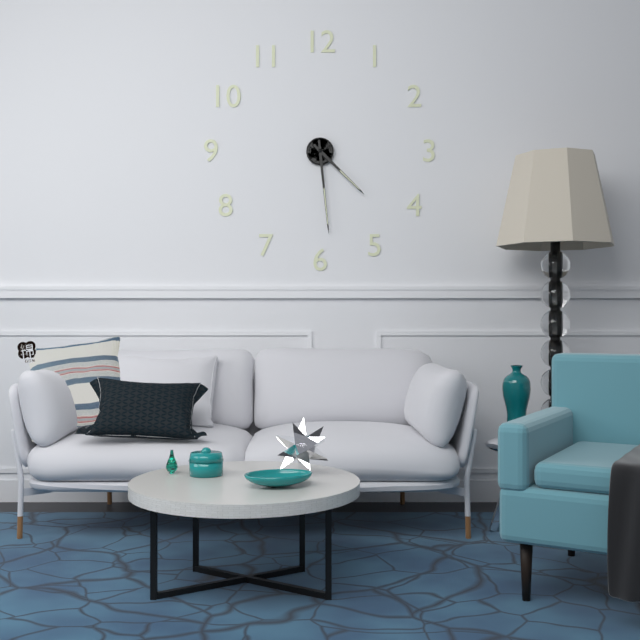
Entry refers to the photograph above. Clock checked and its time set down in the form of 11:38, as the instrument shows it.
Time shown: 4:29
